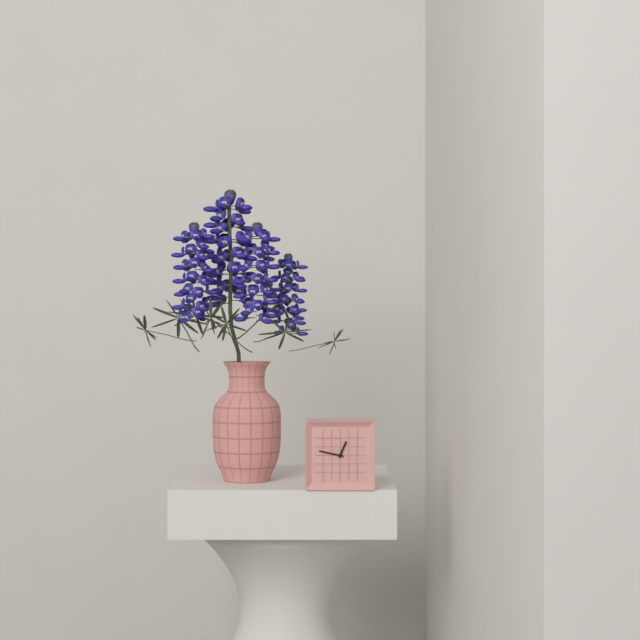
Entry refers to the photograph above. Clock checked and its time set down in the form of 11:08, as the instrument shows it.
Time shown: 12:47
